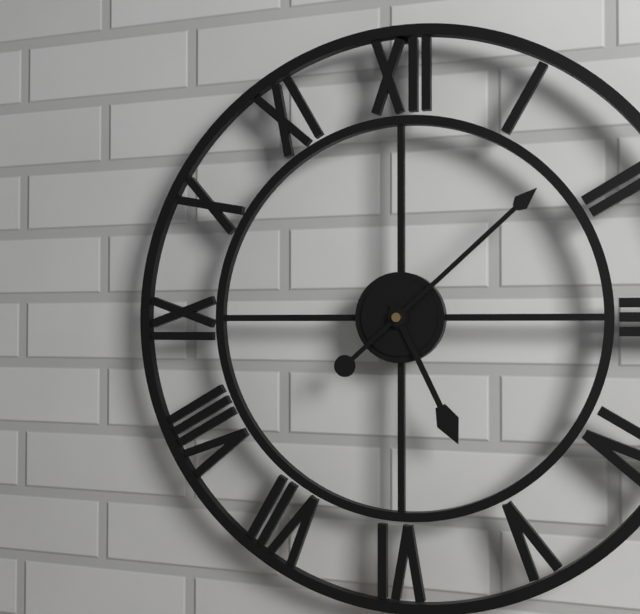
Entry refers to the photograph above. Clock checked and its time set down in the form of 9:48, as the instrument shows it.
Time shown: 5:08
